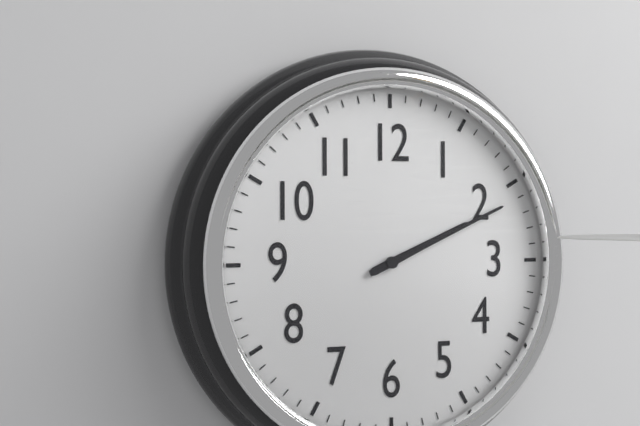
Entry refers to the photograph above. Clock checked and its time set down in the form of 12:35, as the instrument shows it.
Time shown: 2:11
